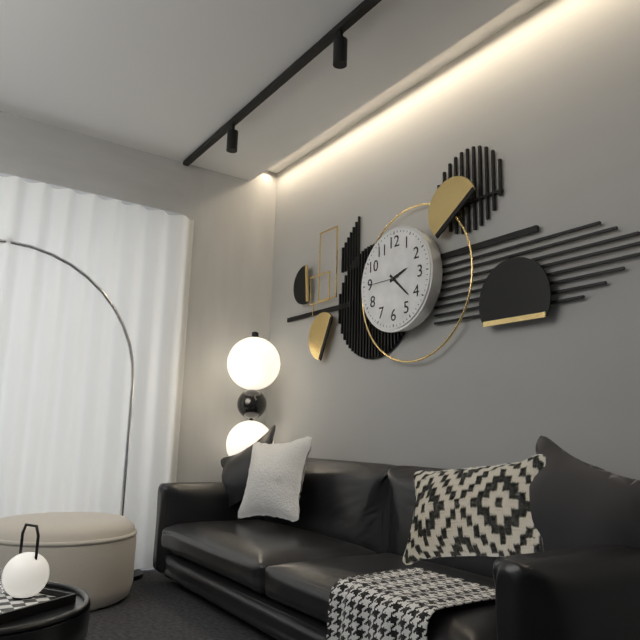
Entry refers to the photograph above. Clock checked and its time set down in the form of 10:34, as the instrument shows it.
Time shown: 2:22
